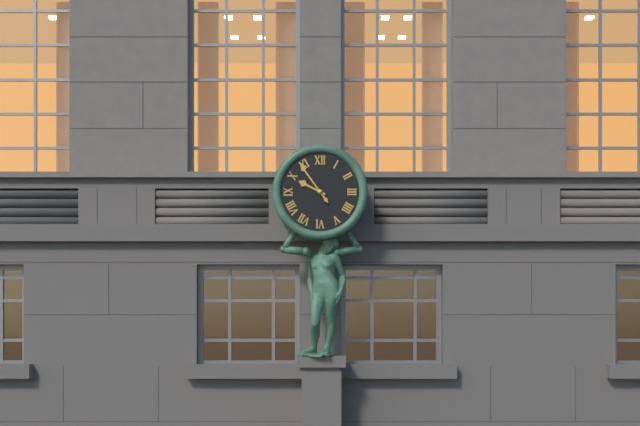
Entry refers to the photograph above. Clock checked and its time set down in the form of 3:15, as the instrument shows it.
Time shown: 9:54
